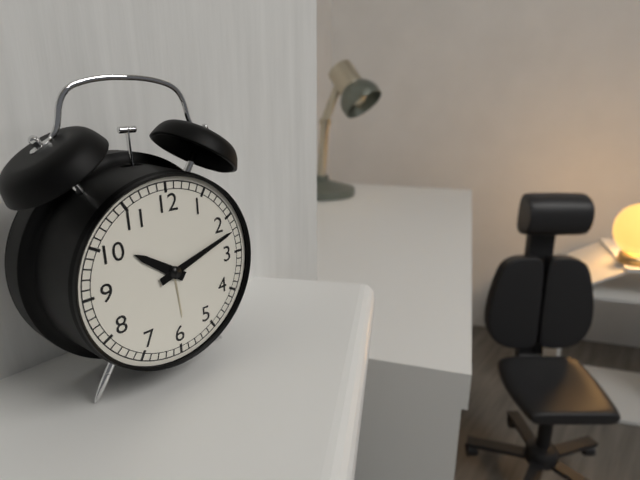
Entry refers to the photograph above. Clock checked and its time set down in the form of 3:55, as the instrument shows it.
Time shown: 10:12
